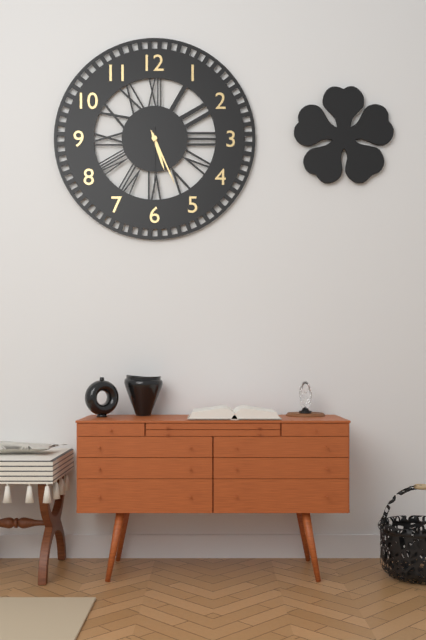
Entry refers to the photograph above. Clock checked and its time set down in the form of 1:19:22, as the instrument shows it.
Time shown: 5:26:30
